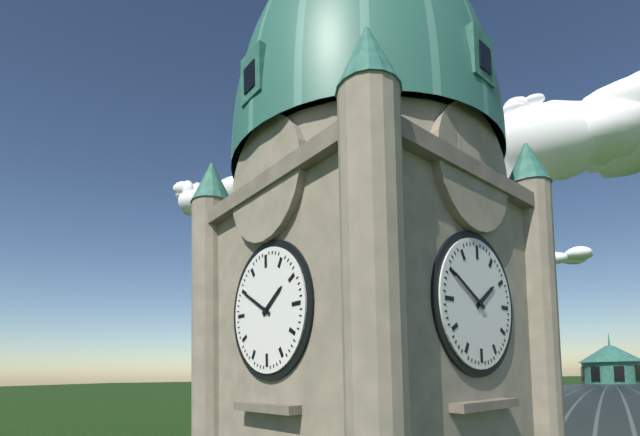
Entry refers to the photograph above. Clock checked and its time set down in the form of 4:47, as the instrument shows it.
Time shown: 1:50
